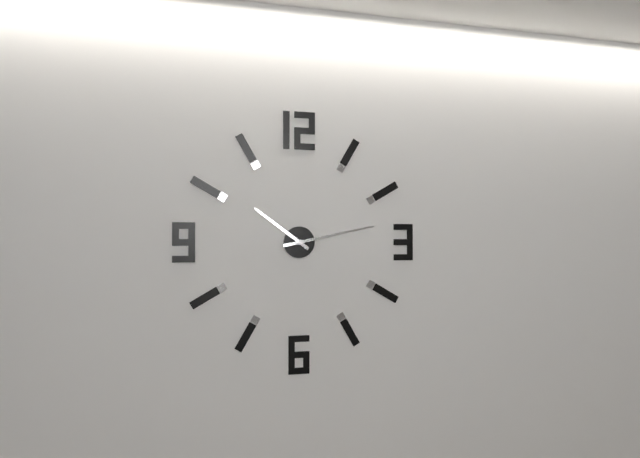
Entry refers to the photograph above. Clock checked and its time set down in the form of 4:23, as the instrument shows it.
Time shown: 10:13
